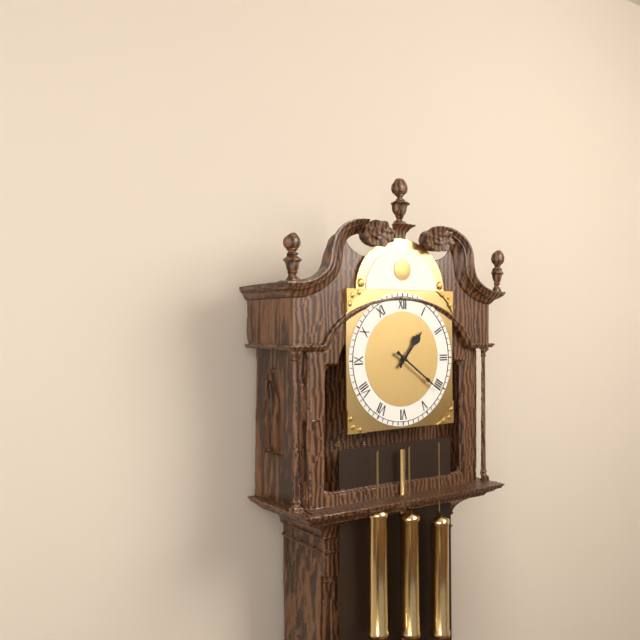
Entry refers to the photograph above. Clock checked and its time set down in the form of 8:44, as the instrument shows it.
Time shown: 1:21
